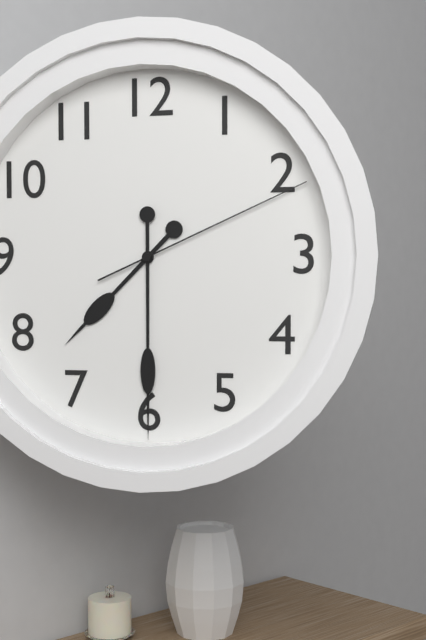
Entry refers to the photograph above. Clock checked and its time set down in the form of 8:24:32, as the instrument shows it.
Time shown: 7:30:11
